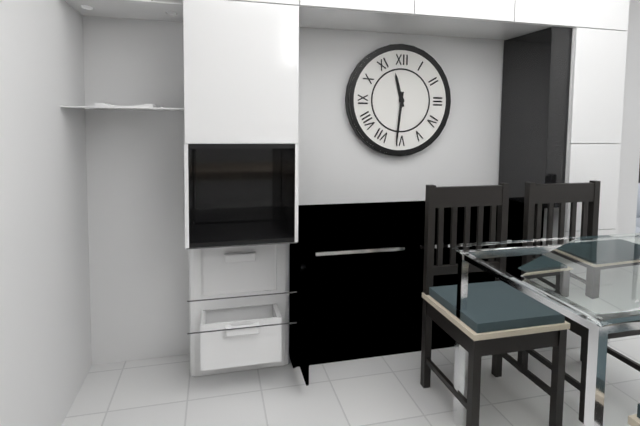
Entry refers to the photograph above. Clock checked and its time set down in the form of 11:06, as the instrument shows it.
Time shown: 11:31
